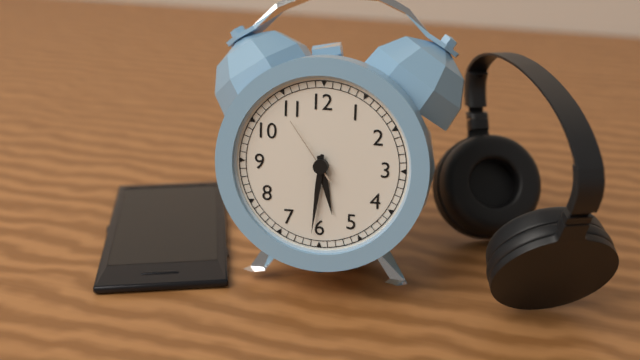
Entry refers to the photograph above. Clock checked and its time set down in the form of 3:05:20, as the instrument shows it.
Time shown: 5:31:54
